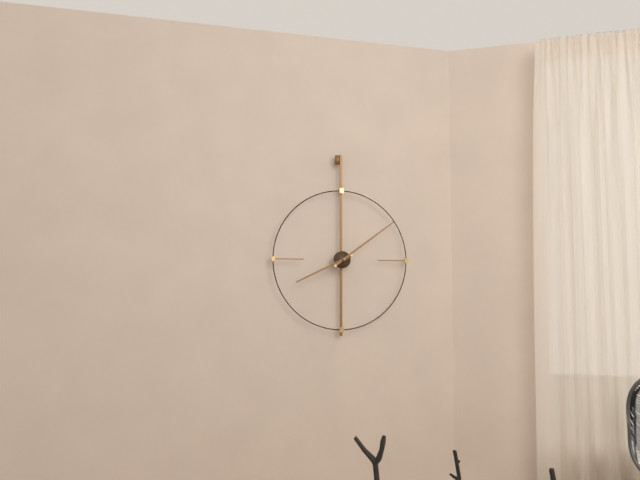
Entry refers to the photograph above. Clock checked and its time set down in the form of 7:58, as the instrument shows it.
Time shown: 8:09
